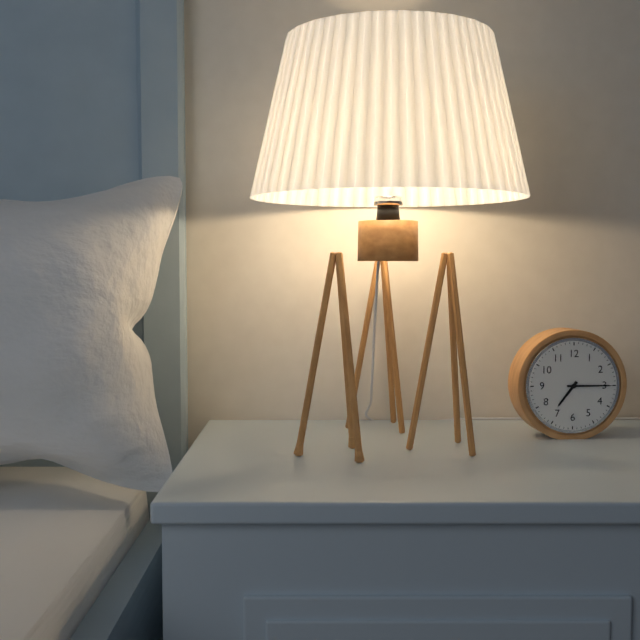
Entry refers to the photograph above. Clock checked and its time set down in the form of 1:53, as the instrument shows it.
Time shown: 7:15
